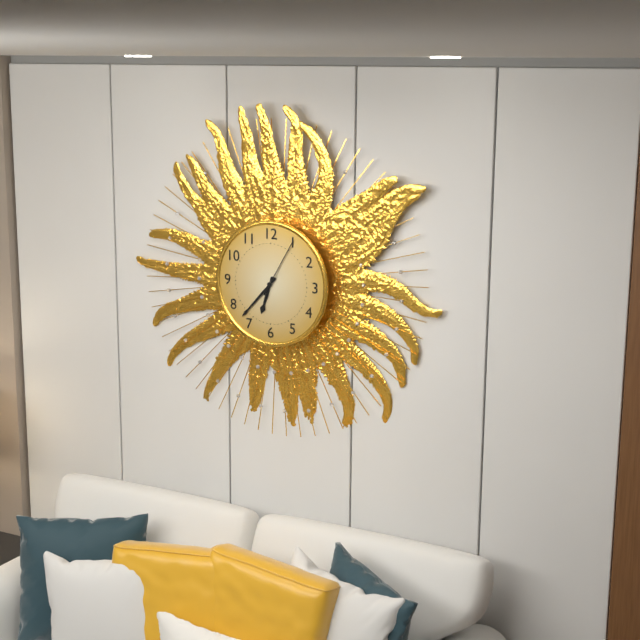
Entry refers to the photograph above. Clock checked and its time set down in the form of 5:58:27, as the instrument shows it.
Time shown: 6:37:05
